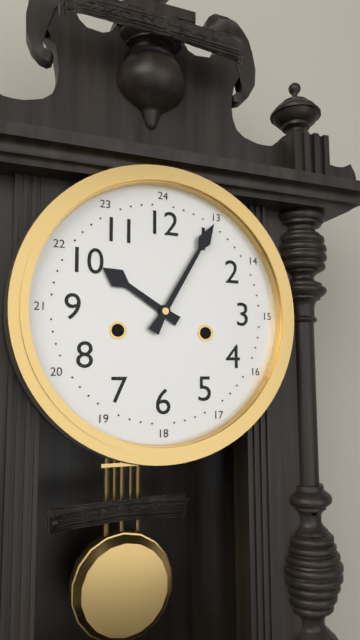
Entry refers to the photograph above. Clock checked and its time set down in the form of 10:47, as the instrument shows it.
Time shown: 10:05
